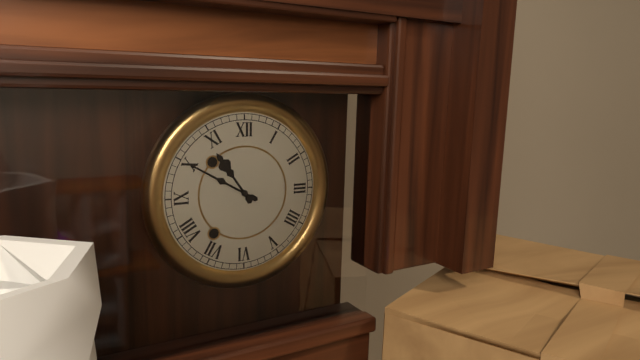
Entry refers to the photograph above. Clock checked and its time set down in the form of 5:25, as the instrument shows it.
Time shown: 10:50
